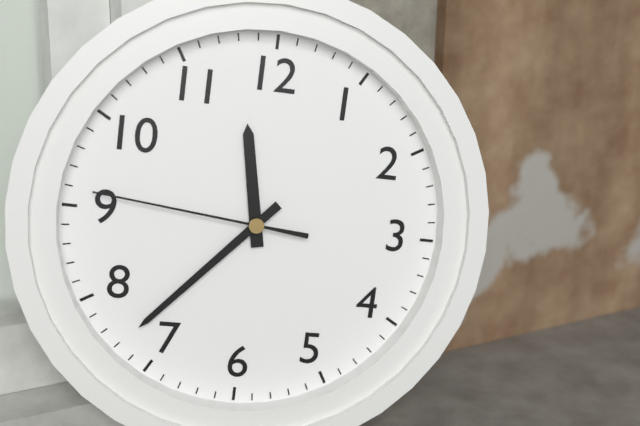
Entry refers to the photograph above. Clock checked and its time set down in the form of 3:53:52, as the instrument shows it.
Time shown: 11:37:46
